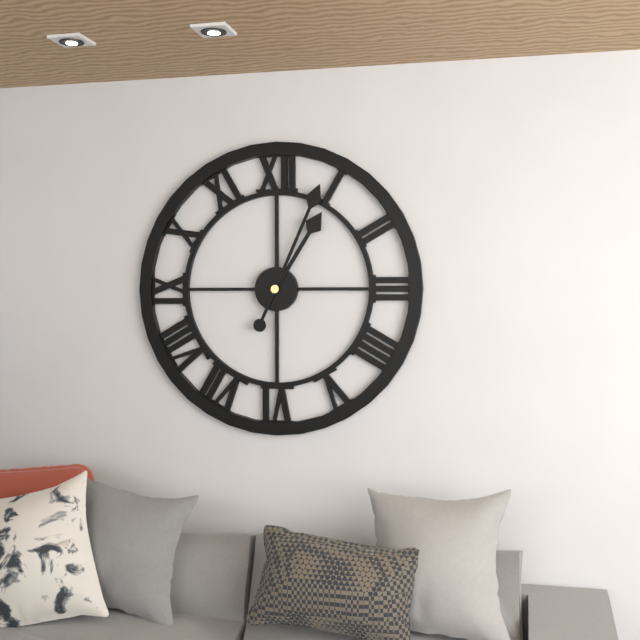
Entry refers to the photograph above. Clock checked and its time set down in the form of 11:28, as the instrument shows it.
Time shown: 1:04
